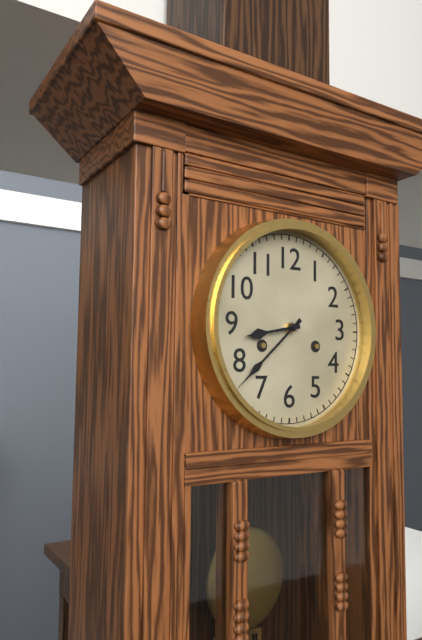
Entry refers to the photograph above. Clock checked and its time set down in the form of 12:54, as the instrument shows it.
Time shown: 8:38
